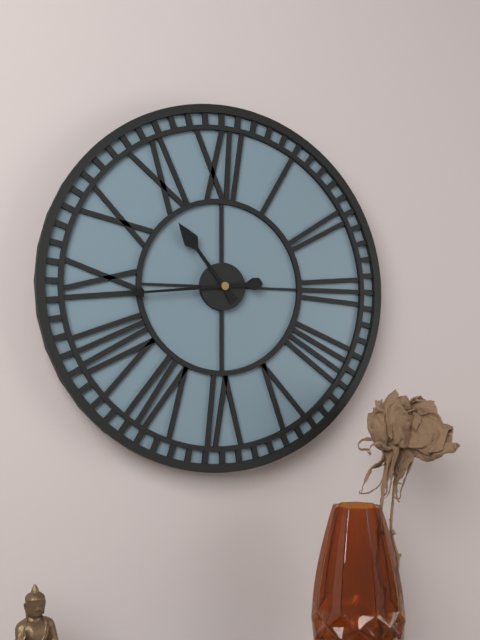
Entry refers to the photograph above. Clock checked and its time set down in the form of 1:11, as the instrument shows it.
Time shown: 10:44
